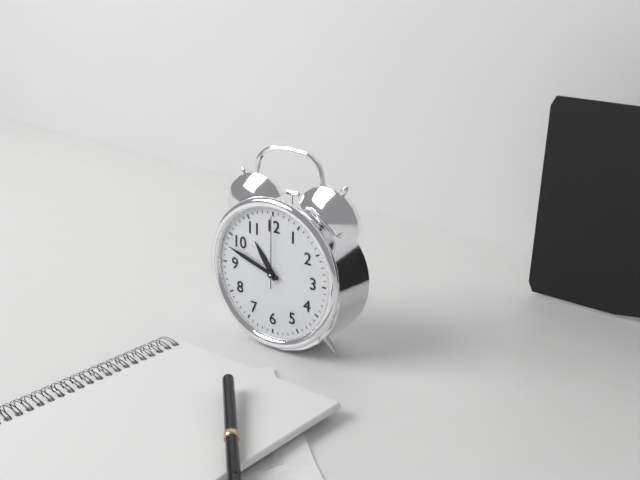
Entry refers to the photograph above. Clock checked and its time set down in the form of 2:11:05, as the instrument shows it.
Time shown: 10:48:00
